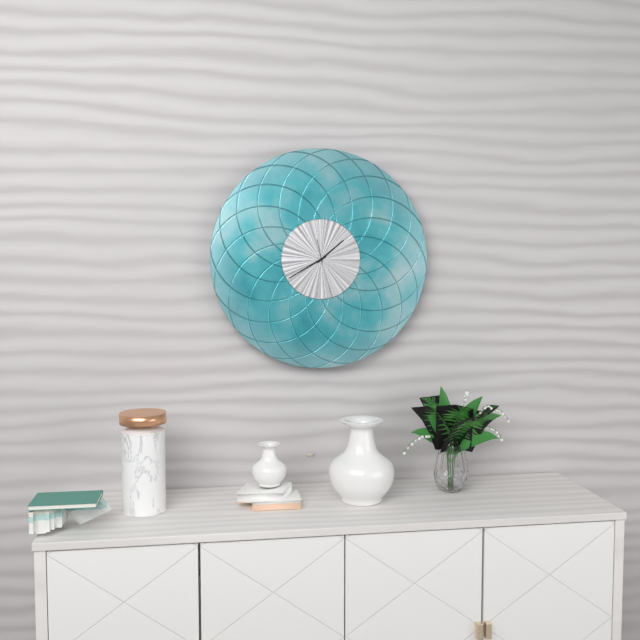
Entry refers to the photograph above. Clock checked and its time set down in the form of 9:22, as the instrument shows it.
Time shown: 1:40
